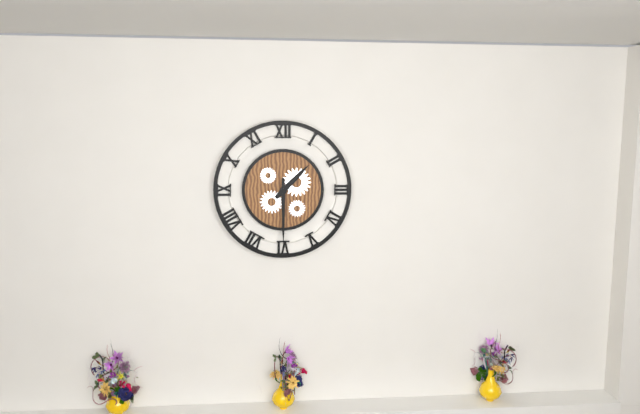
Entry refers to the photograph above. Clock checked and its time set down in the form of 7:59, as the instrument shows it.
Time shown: 1:30
